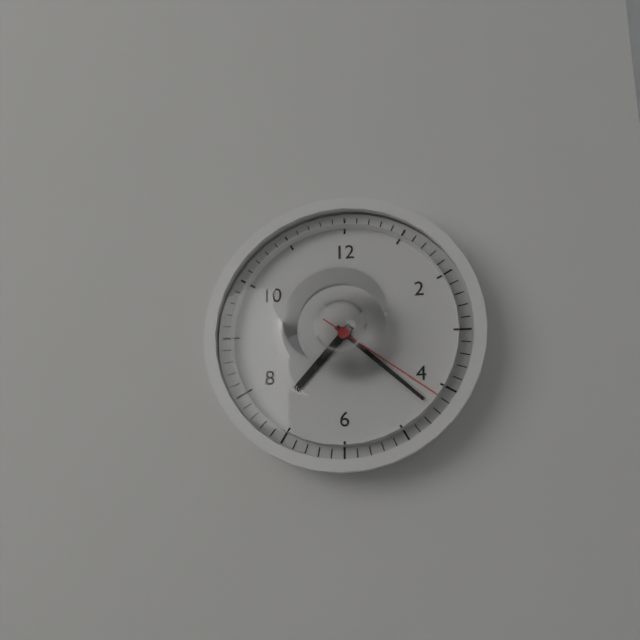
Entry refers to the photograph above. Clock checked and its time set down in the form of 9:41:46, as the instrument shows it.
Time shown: 7:22:21
